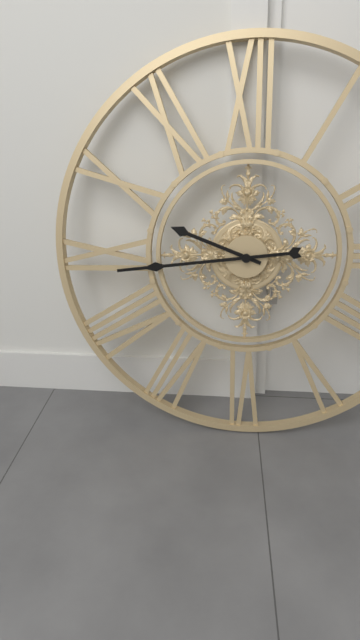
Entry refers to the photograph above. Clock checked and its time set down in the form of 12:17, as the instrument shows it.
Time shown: 9:44
